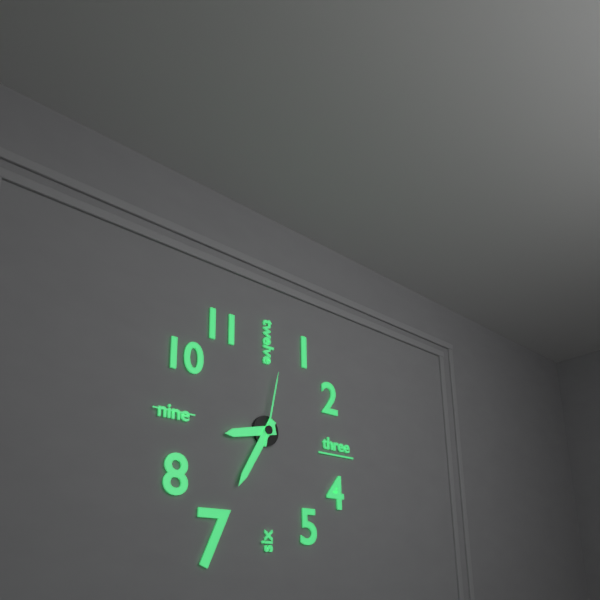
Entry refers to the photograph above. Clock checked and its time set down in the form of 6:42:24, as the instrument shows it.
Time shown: 8:35:02
